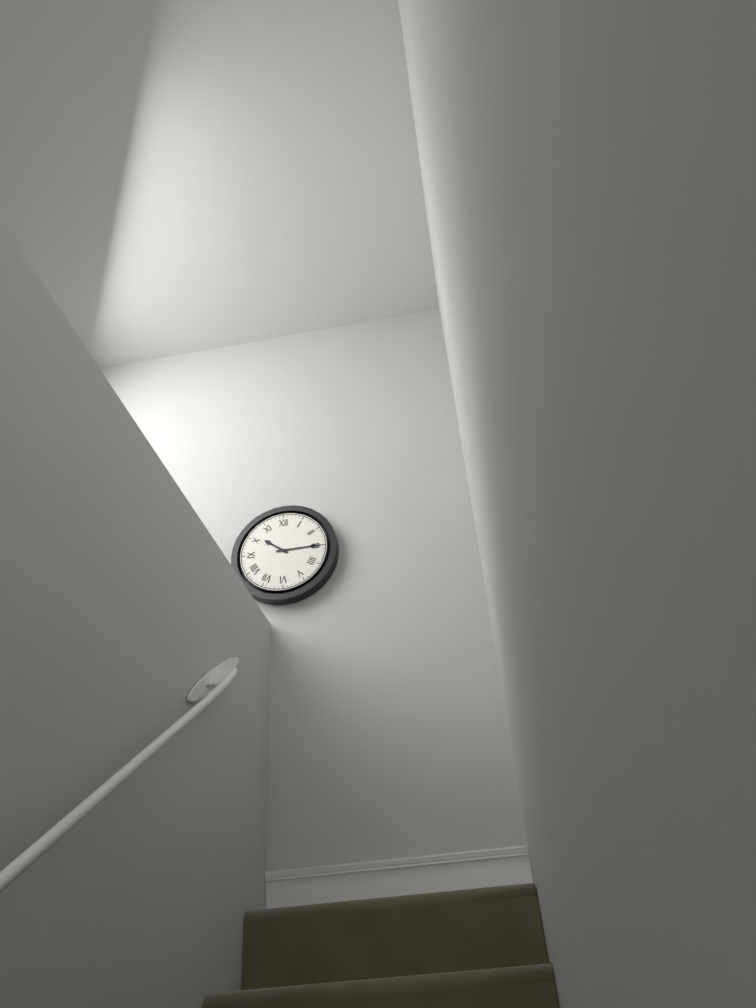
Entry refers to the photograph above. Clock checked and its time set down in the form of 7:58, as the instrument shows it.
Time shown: 10:15
